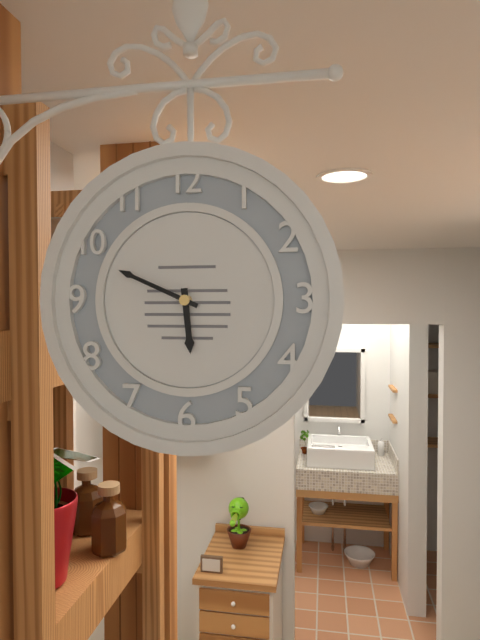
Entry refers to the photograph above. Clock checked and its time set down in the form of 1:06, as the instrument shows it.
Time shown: 5:49
